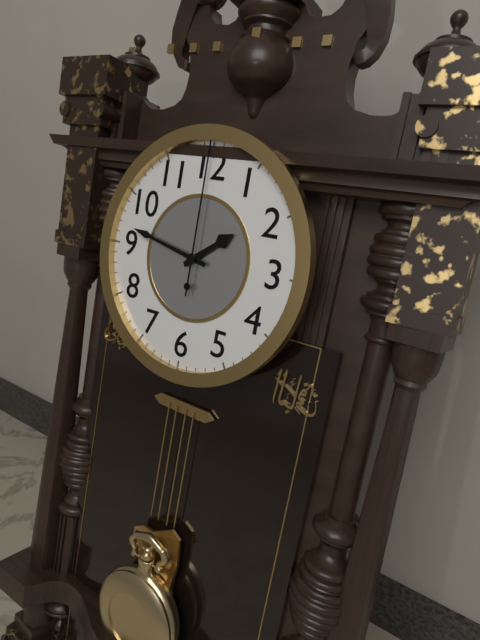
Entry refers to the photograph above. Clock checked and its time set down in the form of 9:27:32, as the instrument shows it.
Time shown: 1:47:00
